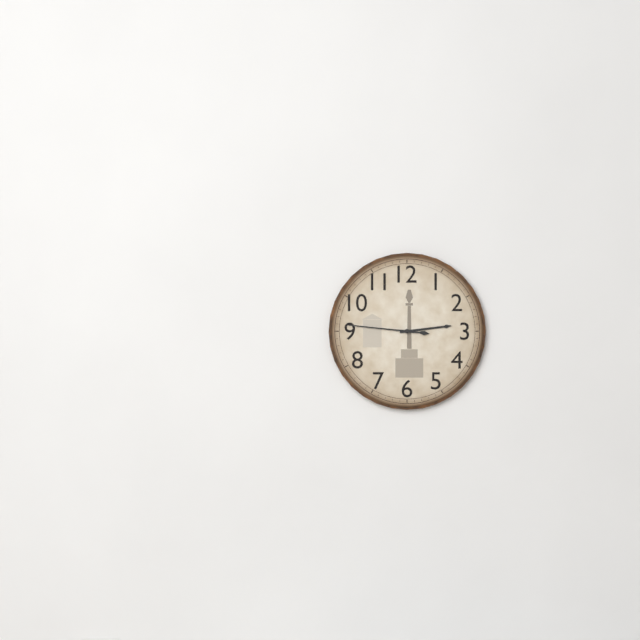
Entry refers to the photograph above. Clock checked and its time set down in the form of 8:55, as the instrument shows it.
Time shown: 2:46
